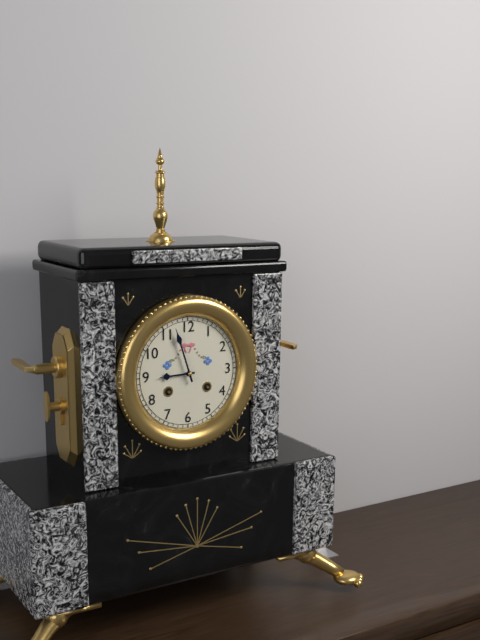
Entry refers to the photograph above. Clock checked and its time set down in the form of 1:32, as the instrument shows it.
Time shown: 8:57
